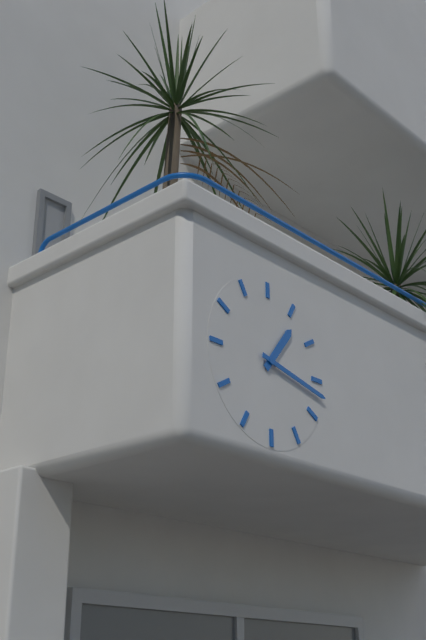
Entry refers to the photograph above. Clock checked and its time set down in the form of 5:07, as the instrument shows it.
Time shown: 1:17
